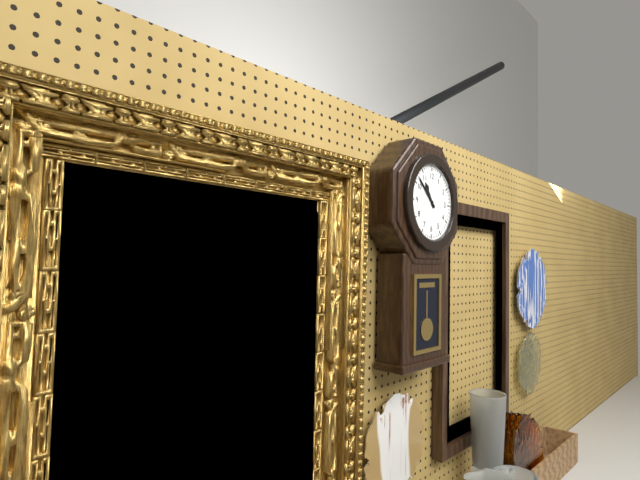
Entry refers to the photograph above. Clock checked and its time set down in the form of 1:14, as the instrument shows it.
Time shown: 10:52
